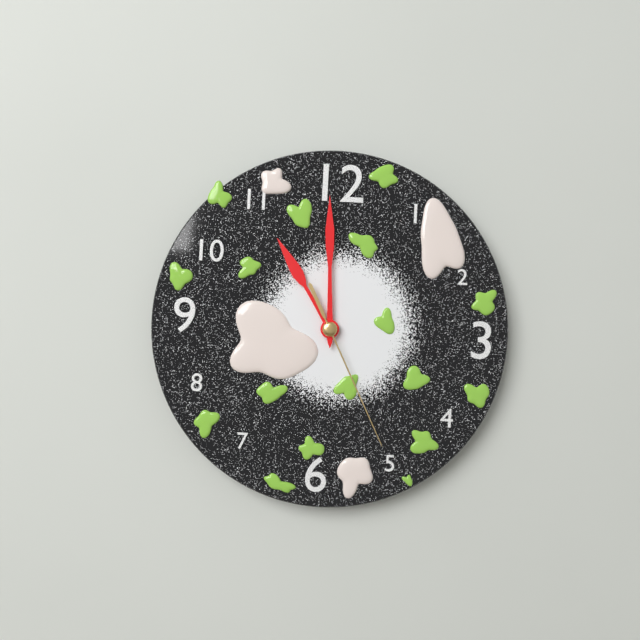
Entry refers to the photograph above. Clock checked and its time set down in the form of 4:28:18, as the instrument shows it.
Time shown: 11:00:26
